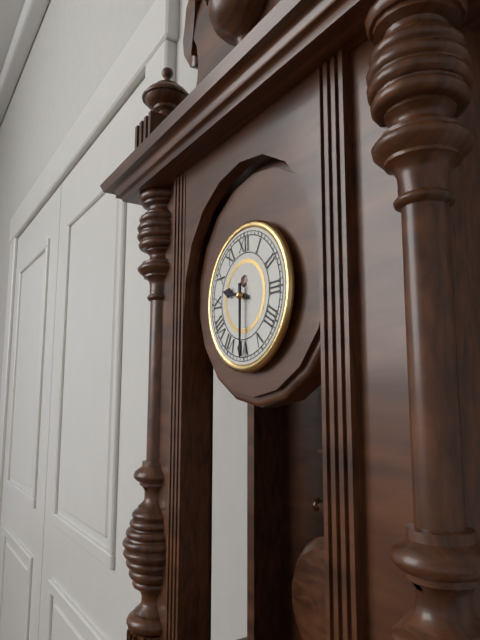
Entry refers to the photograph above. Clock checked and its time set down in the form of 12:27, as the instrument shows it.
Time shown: 9:30
